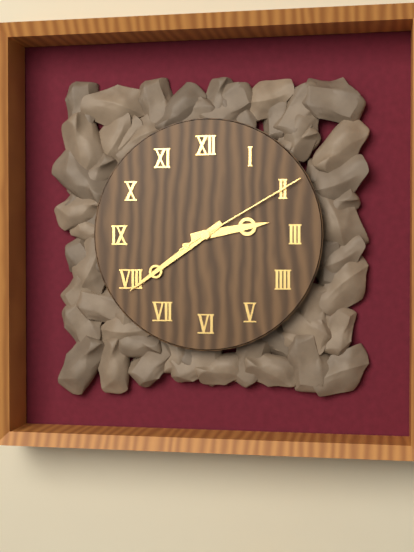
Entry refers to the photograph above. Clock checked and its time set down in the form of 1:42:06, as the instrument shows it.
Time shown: 2:39:10
